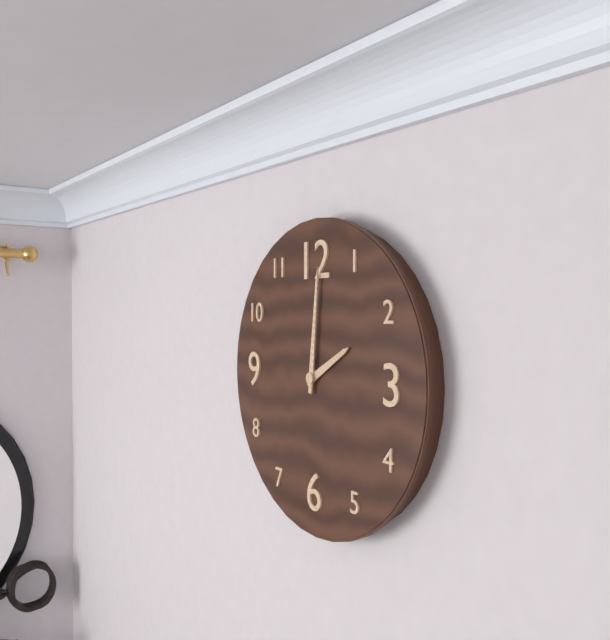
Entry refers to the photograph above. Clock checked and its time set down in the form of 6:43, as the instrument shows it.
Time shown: 2:01
